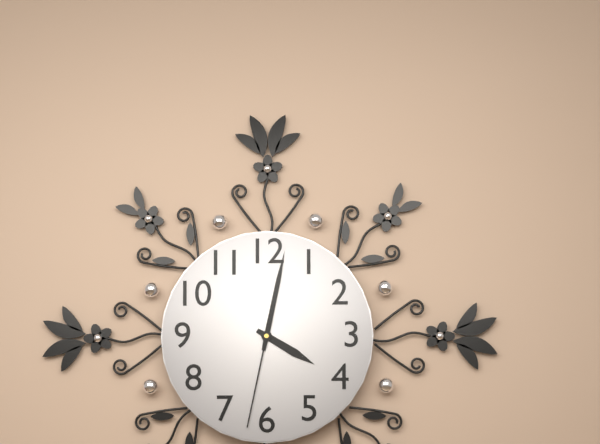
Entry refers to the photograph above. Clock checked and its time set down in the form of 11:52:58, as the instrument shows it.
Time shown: 4:02:32
